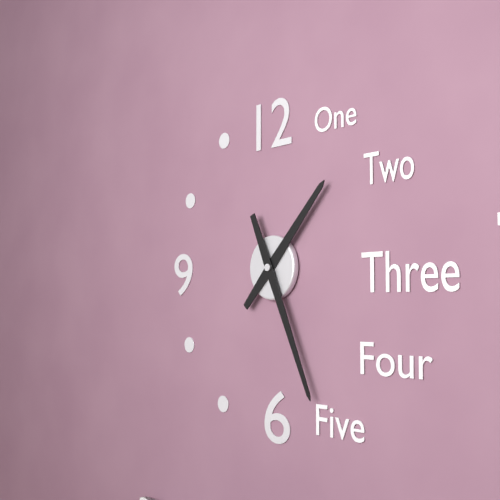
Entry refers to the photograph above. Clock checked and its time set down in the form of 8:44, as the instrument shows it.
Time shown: 1:26
